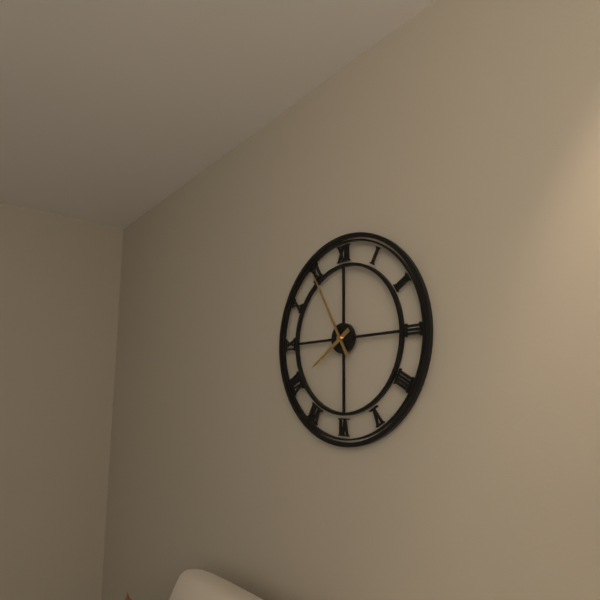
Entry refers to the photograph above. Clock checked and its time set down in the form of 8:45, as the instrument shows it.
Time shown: 7:55
